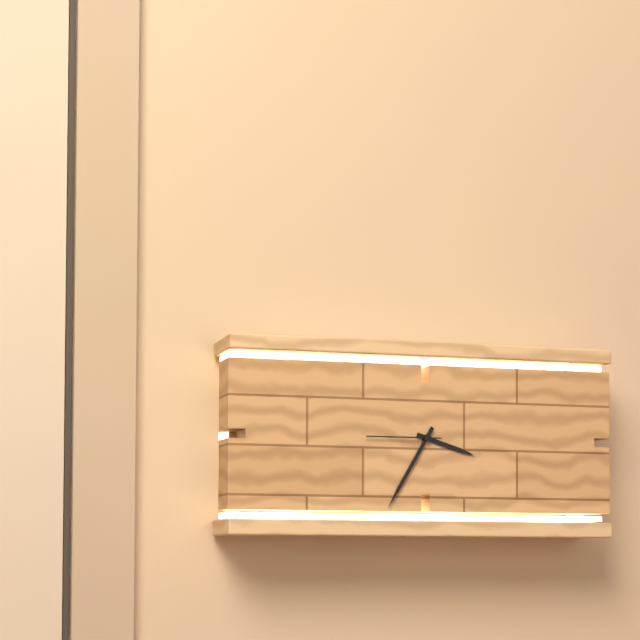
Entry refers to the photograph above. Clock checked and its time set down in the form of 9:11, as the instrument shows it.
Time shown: 3:35
